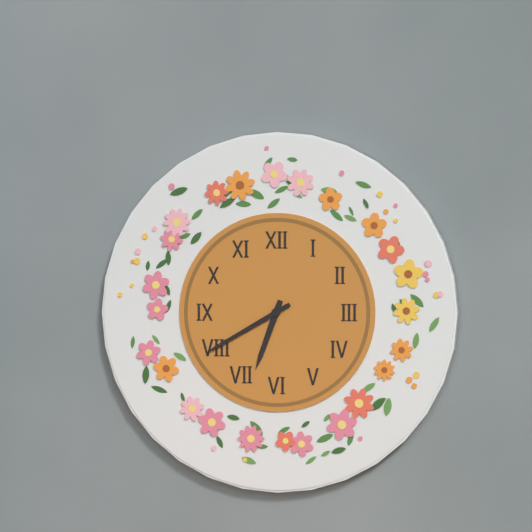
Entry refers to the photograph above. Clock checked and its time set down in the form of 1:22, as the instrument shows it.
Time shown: 6:40
